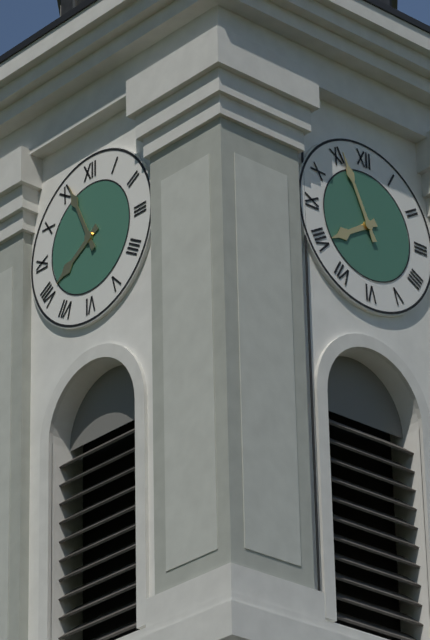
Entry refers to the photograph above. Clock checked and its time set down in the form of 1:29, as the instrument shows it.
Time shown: 7:56
